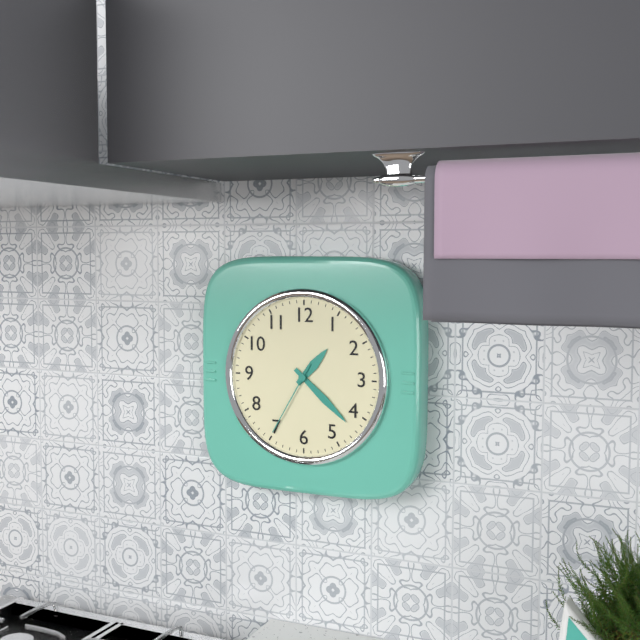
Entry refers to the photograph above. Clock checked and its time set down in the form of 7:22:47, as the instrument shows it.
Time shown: 1:22:35
